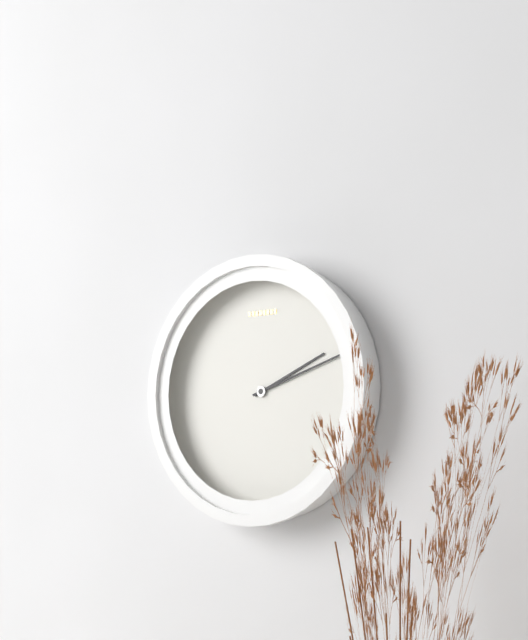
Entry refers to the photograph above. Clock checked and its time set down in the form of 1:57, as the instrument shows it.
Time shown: 2:12
